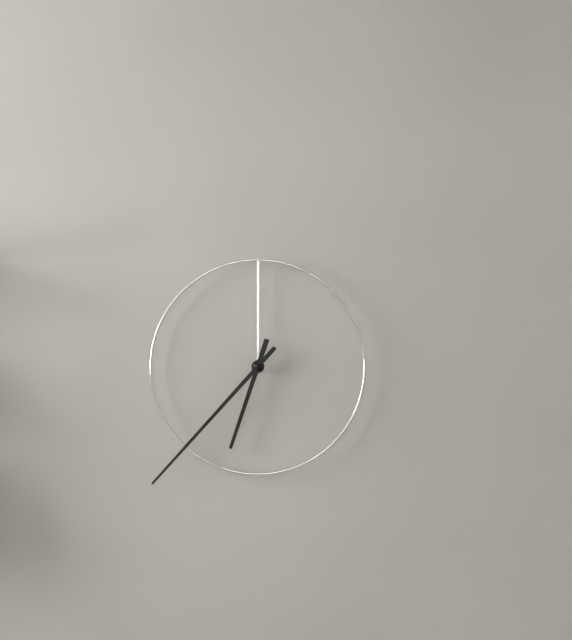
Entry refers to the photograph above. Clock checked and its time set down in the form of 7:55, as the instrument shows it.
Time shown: 6:37
